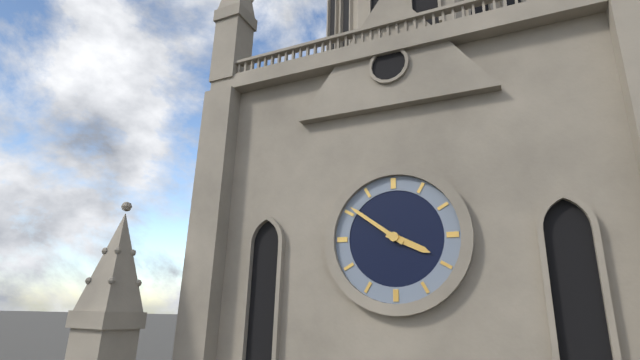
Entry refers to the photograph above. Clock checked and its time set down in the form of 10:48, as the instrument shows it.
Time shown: 3:51
